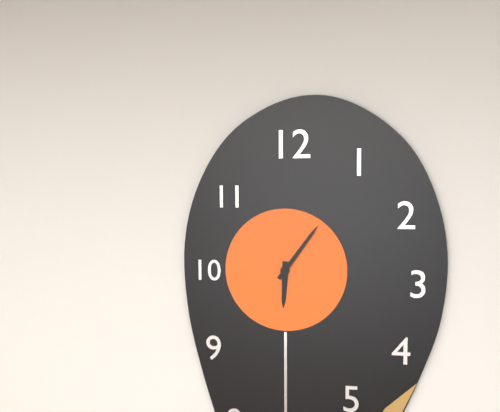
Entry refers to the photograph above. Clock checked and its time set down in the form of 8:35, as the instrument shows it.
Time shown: 6:06
